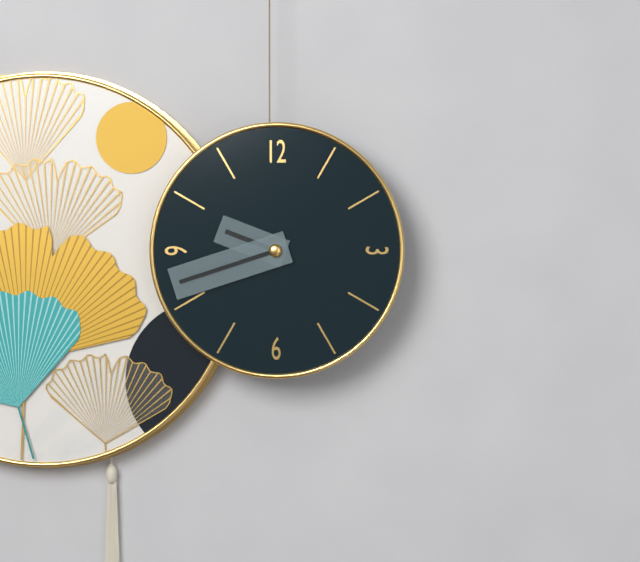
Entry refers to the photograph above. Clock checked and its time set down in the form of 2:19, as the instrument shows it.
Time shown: 9:42
